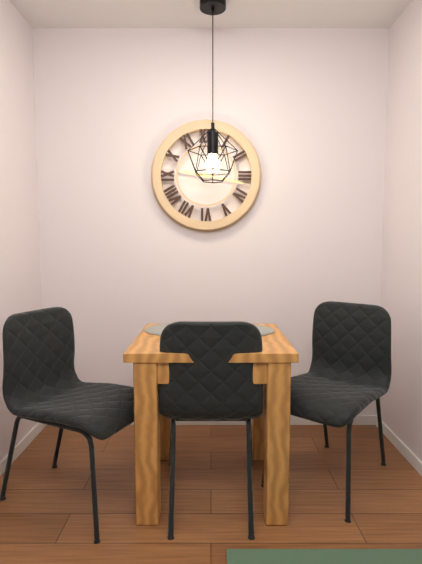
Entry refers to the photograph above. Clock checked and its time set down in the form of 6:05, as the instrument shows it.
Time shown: 9:17
